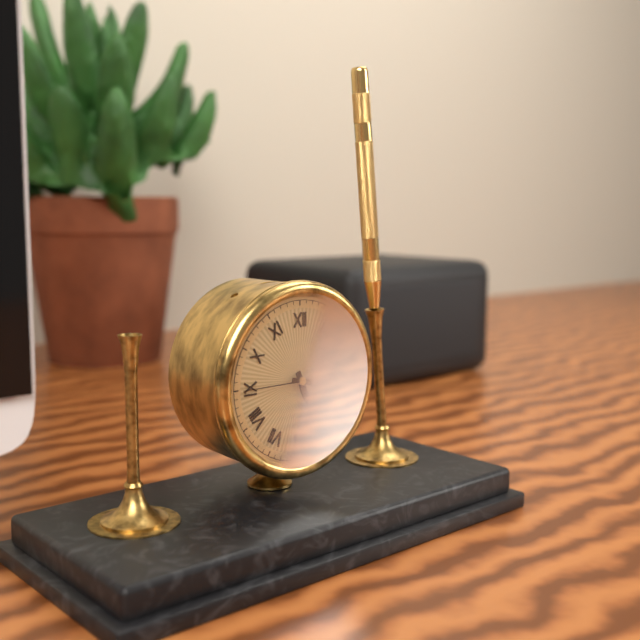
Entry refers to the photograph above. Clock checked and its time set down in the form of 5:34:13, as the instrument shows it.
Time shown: 5:17:45
